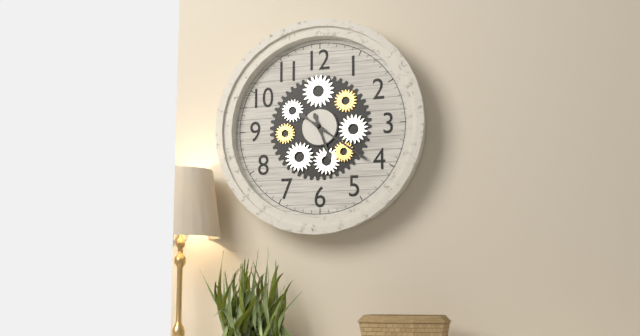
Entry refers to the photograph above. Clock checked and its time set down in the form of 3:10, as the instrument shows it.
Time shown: 5:21
